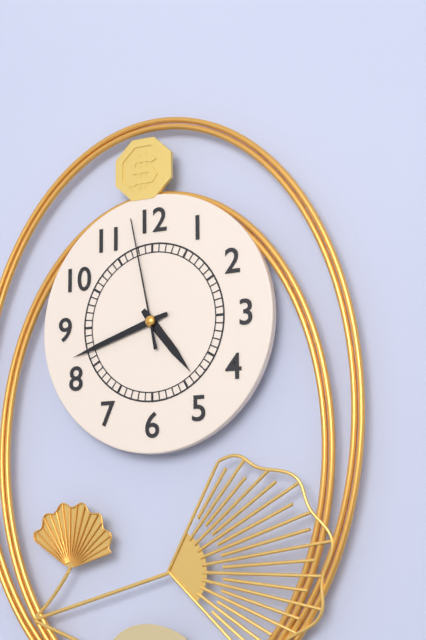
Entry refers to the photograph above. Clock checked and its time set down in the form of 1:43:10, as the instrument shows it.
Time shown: 4:42:58
